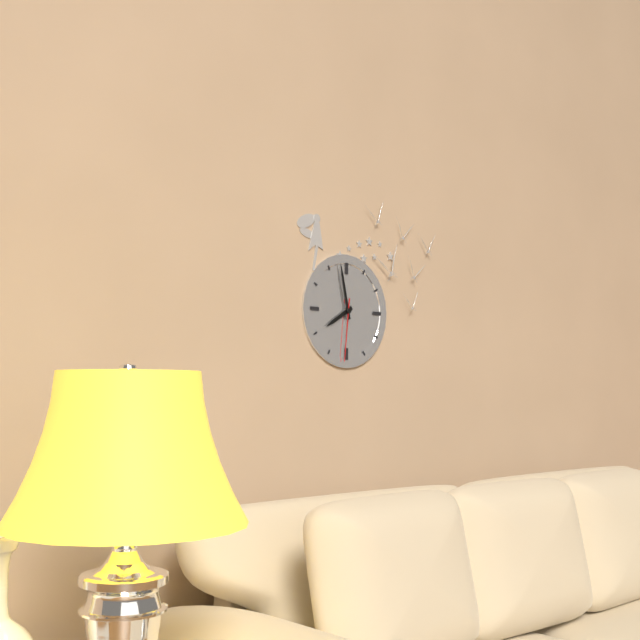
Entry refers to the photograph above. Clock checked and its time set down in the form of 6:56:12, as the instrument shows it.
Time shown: 7:58:31
